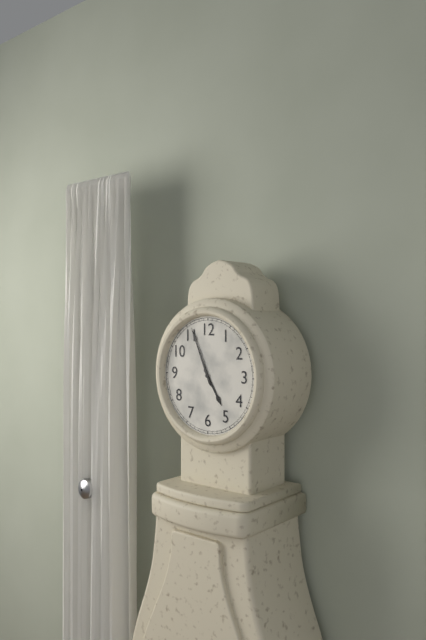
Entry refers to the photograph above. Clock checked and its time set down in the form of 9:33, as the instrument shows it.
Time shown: 4:56
